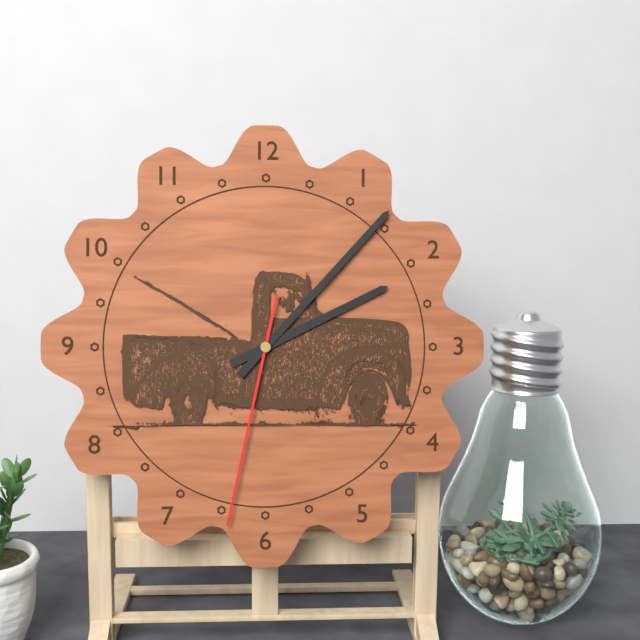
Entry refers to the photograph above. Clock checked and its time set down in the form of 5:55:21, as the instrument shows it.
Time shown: 2:07:32
